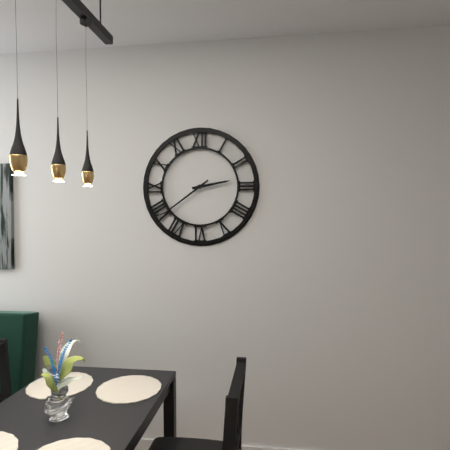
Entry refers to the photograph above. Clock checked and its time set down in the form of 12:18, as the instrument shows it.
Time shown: 2:39
